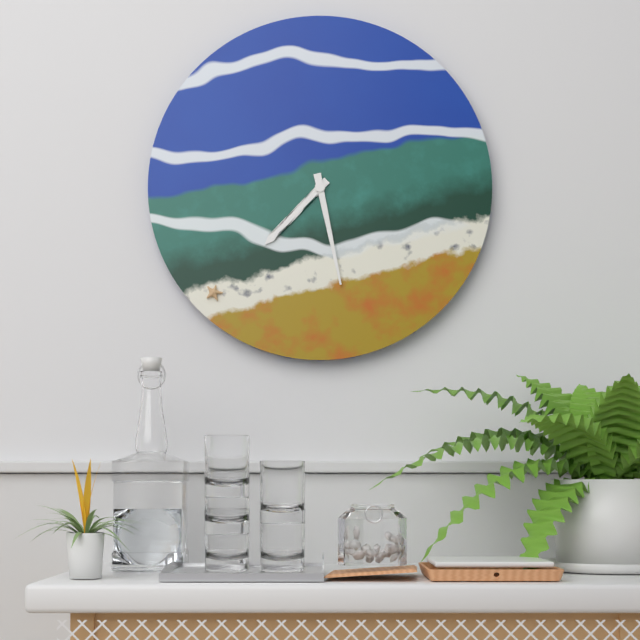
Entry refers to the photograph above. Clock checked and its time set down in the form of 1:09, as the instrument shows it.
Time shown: 7:28
